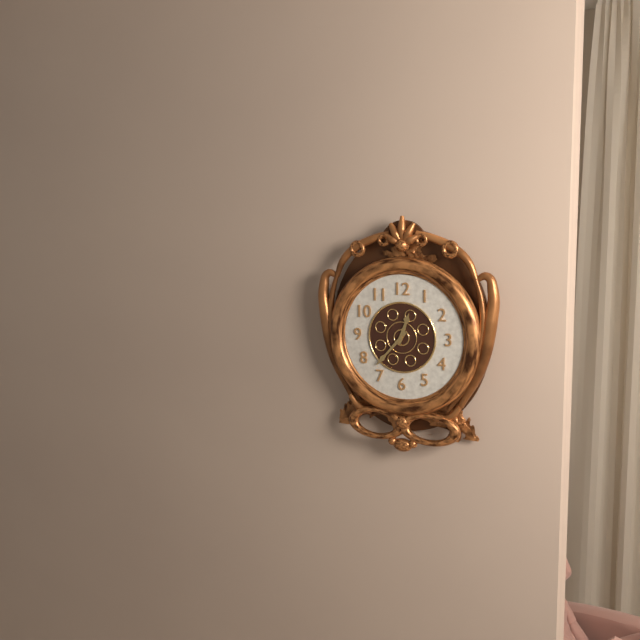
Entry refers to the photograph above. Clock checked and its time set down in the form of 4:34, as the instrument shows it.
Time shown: 12:37
